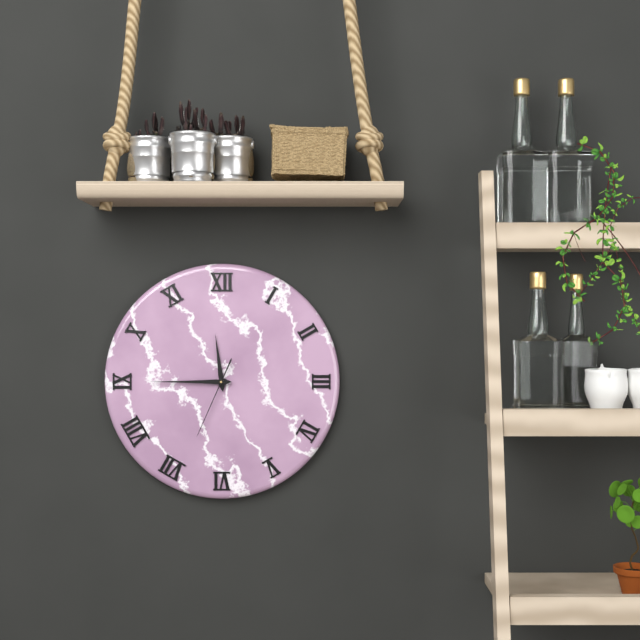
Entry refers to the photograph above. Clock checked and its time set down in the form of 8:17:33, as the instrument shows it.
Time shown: 11:45:34
